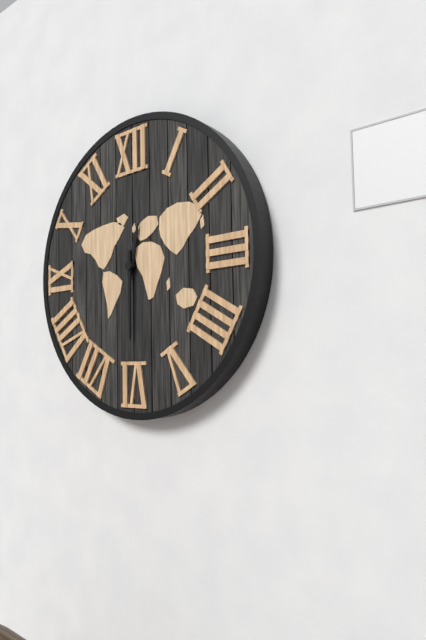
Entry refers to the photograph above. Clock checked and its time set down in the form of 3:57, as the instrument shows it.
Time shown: 12:30
